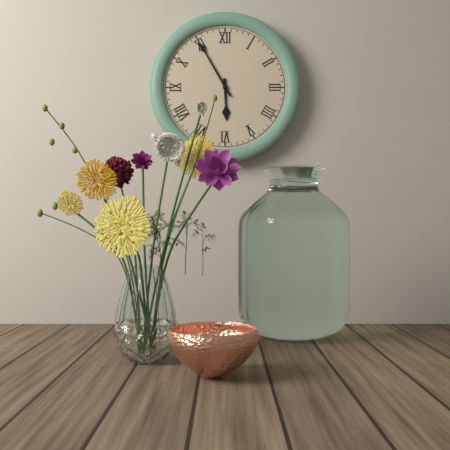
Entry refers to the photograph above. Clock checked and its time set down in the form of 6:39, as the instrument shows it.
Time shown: 5:55
